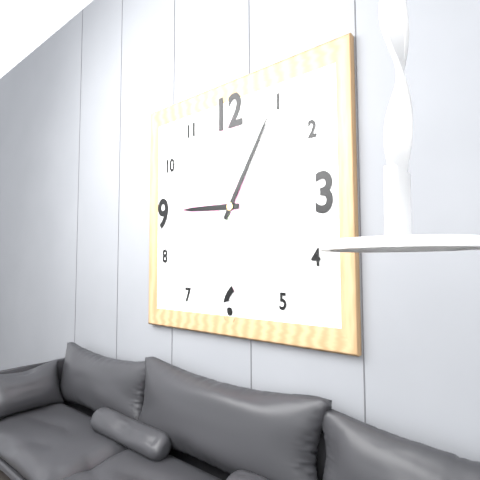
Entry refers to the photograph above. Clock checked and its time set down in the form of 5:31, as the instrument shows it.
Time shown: 9:05
